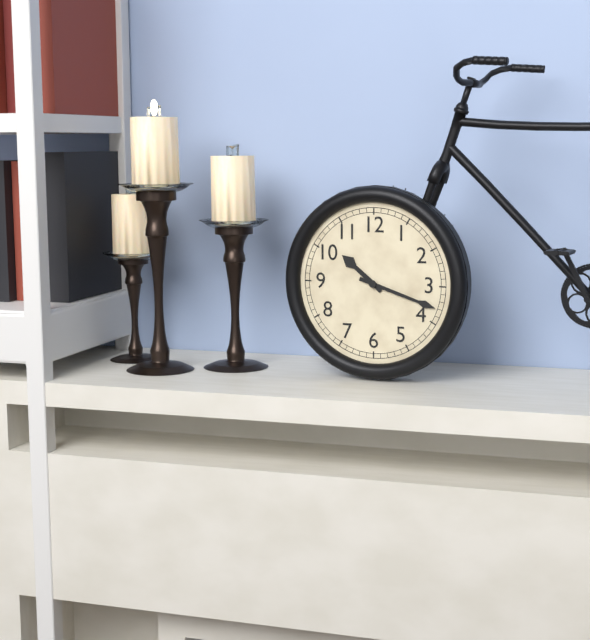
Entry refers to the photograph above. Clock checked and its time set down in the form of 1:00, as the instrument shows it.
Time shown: 10:18
